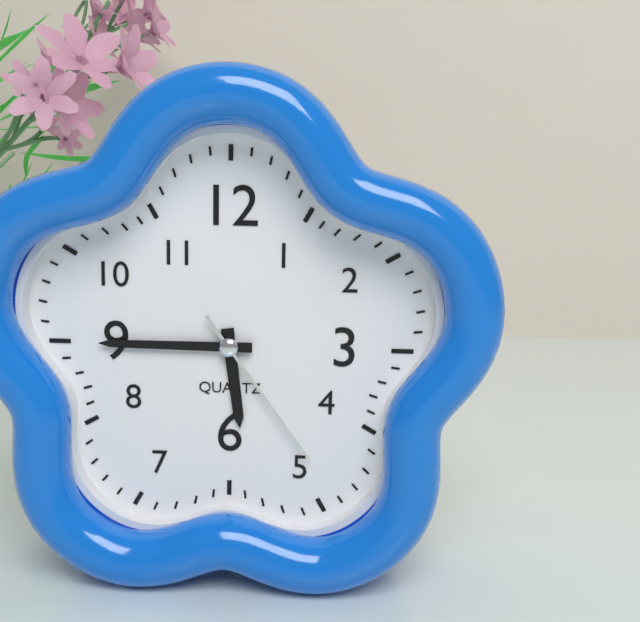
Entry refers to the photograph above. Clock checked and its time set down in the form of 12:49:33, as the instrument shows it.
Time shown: 5:45:24
